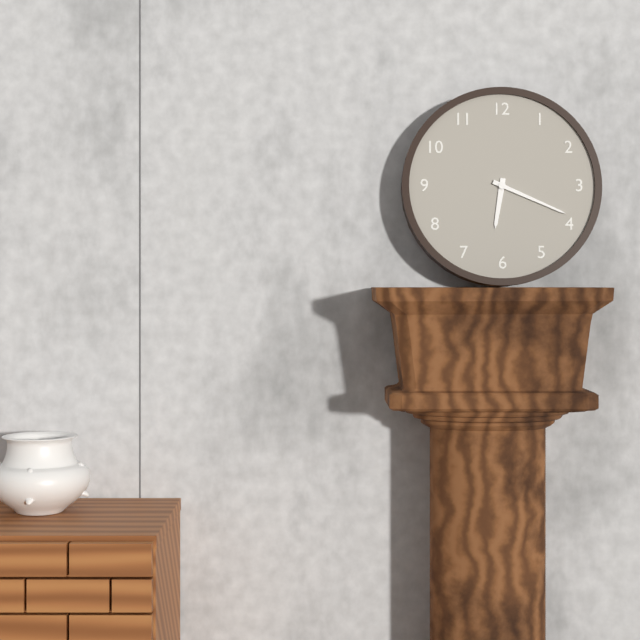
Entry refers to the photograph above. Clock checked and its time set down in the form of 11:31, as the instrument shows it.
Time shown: 6:19
